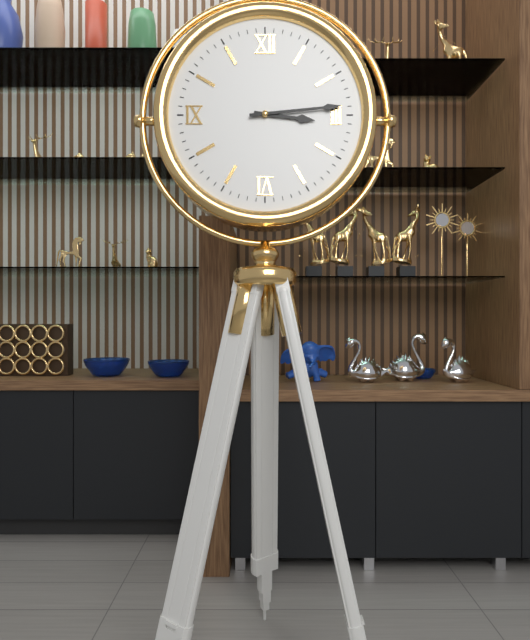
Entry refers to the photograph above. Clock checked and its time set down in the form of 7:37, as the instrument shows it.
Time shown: 3:14
